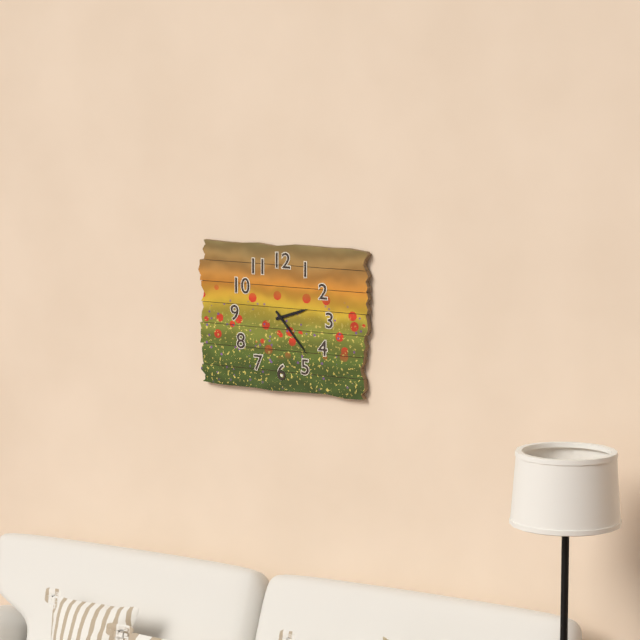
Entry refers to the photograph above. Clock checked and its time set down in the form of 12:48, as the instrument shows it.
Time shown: 2:23
